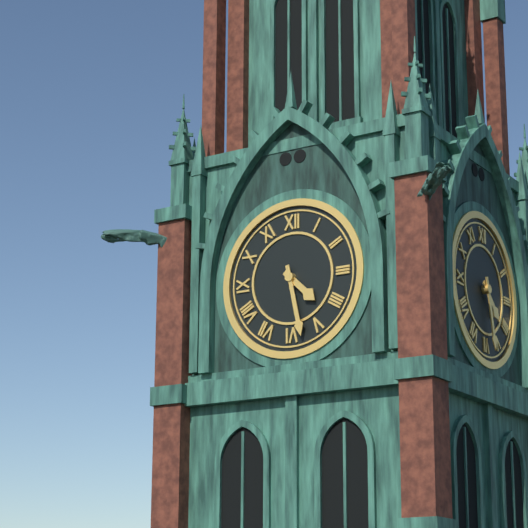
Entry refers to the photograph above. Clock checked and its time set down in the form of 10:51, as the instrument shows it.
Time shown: 4:28
